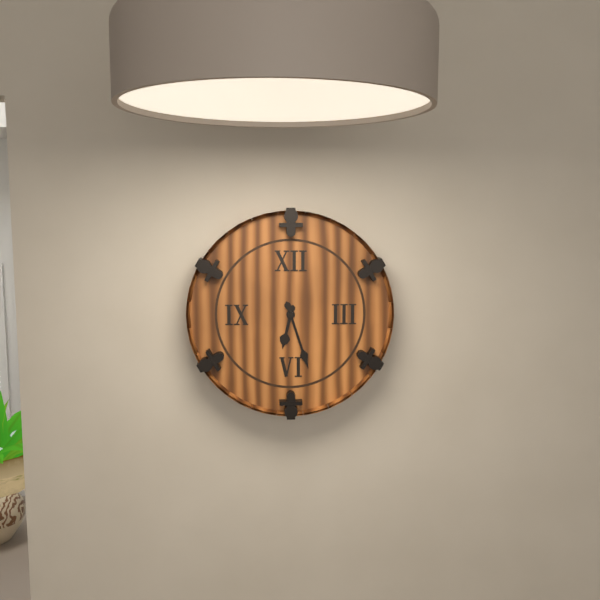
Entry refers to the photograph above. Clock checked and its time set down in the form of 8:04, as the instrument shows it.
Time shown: 6:27
